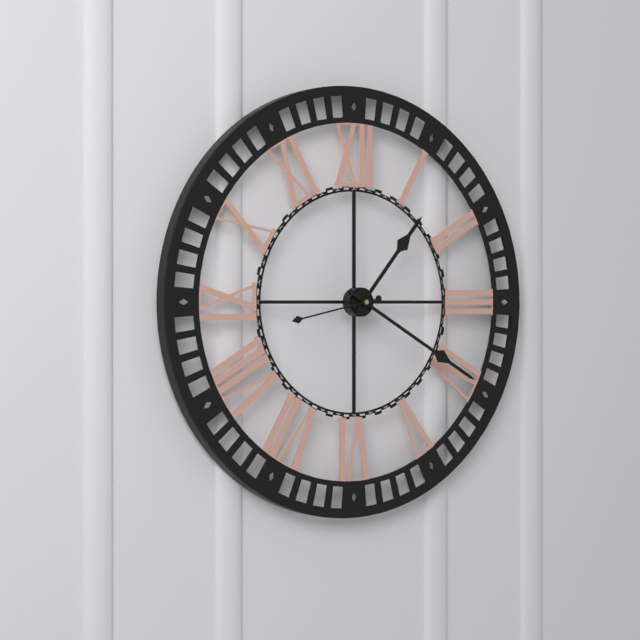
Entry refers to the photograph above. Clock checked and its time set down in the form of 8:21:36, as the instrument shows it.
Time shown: 1:20:43
